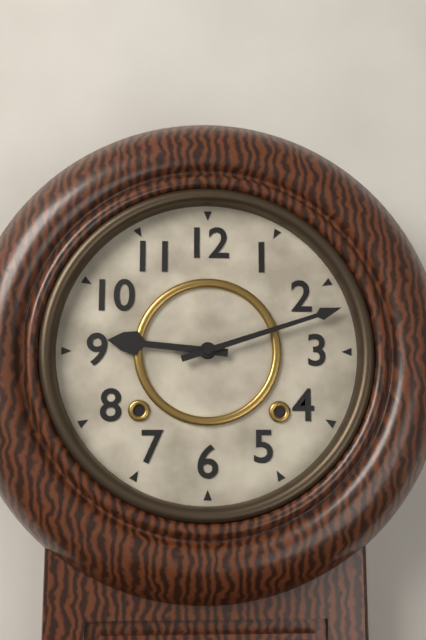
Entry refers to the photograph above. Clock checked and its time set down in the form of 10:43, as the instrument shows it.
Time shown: 9:12
